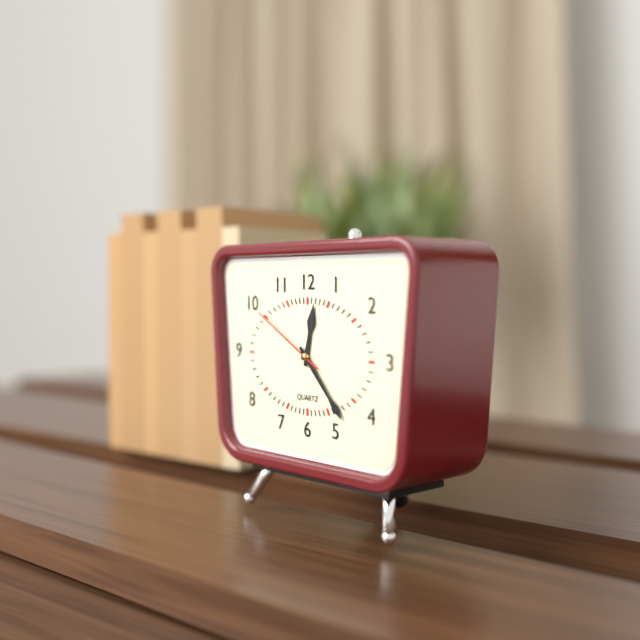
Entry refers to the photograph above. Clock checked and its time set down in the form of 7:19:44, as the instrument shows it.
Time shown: 12:23:50
